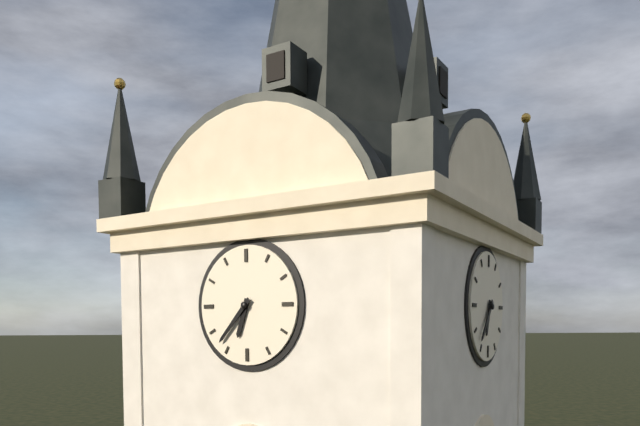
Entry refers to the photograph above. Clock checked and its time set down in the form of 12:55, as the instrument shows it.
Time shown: 6:37
